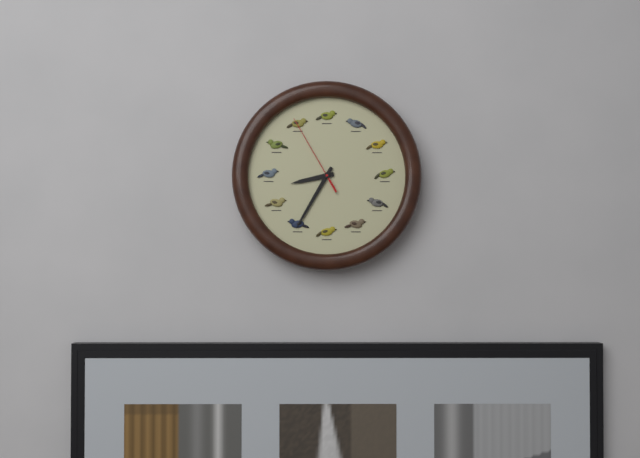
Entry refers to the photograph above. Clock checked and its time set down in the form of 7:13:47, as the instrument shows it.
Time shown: 8:35:55
